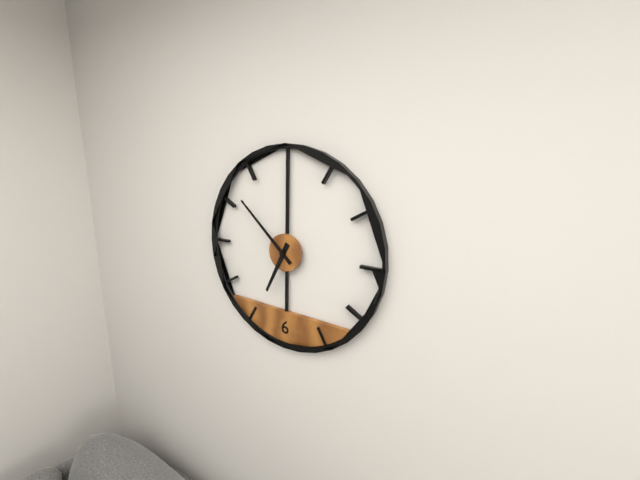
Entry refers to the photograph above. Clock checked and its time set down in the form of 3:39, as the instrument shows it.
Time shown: 6:52
